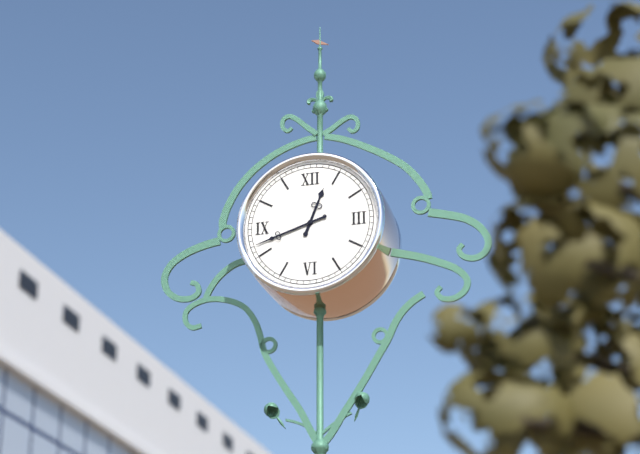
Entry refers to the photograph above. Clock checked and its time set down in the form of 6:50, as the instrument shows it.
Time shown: 12:42
